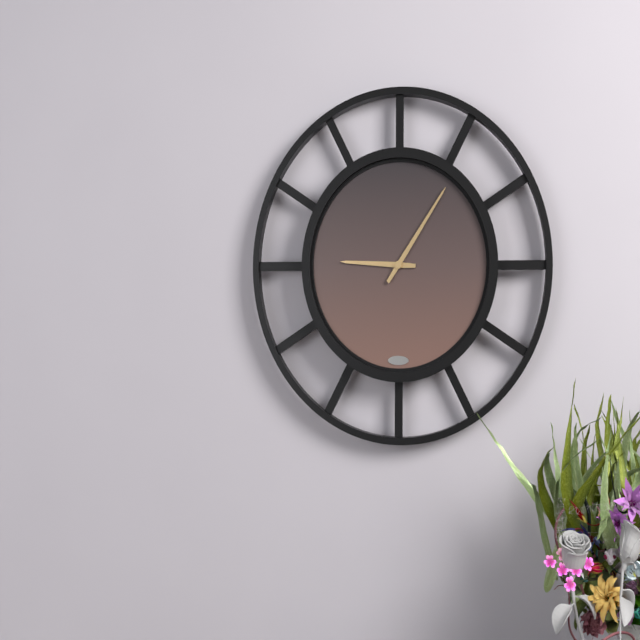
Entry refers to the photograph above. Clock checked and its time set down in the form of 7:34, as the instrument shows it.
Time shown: 9:06
